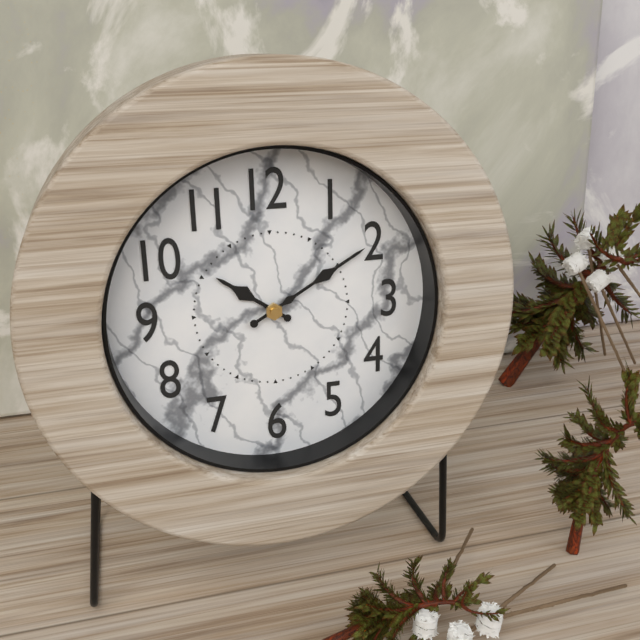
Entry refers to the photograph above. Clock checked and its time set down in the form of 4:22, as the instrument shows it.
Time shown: 10:10
